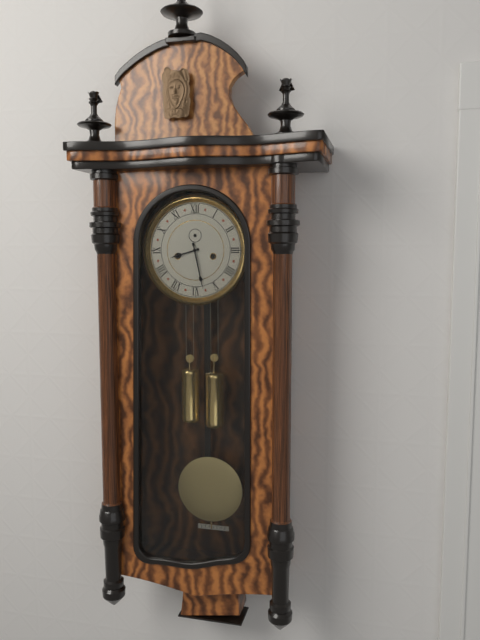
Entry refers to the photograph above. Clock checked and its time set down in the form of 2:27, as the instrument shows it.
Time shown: 8:28
